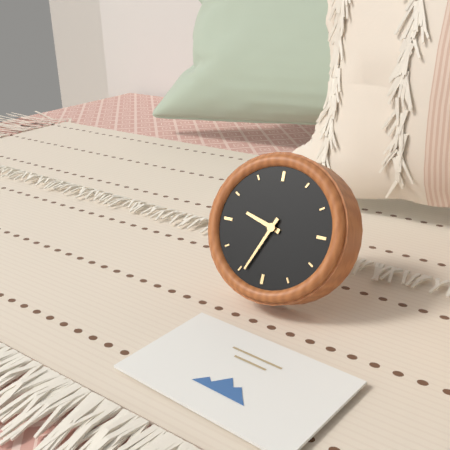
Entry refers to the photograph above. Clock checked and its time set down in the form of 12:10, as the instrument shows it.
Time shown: 9:34
